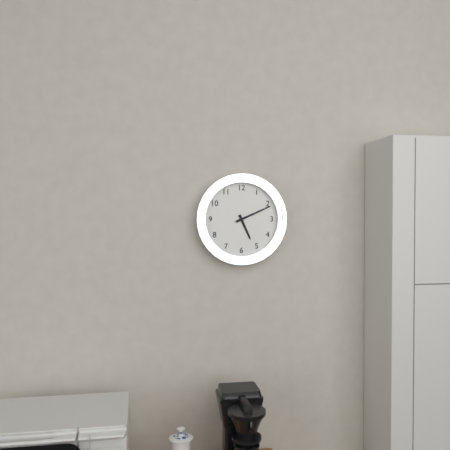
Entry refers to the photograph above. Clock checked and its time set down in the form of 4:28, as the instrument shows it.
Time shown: 5:11
